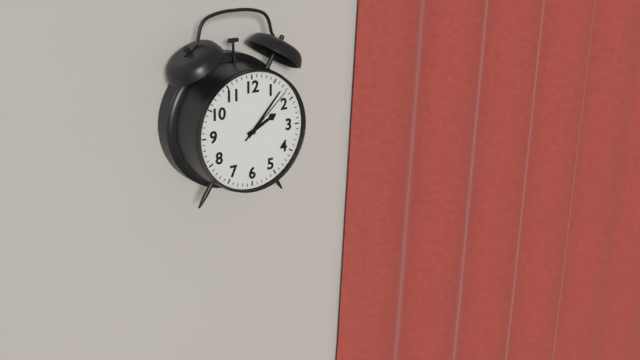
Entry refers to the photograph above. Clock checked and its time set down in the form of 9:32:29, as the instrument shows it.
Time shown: 2:07:08
